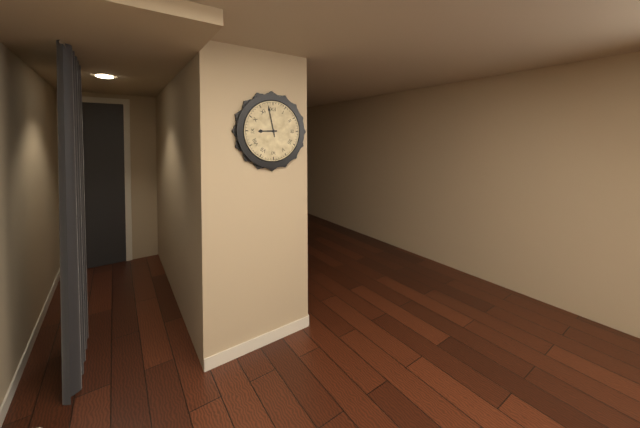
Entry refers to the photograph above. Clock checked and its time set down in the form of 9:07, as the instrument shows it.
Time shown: 8:58
